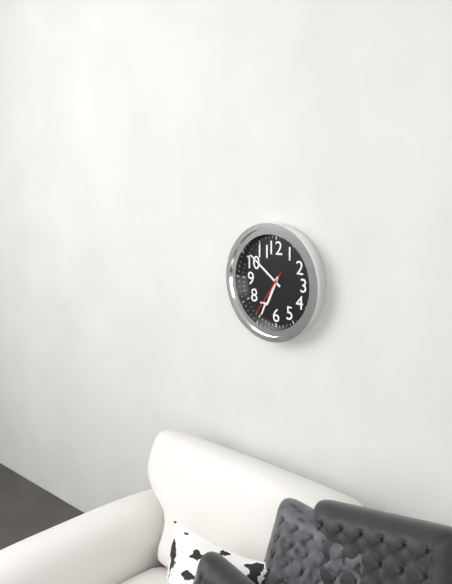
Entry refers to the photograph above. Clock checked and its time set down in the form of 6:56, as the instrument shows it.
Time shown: 6:51
